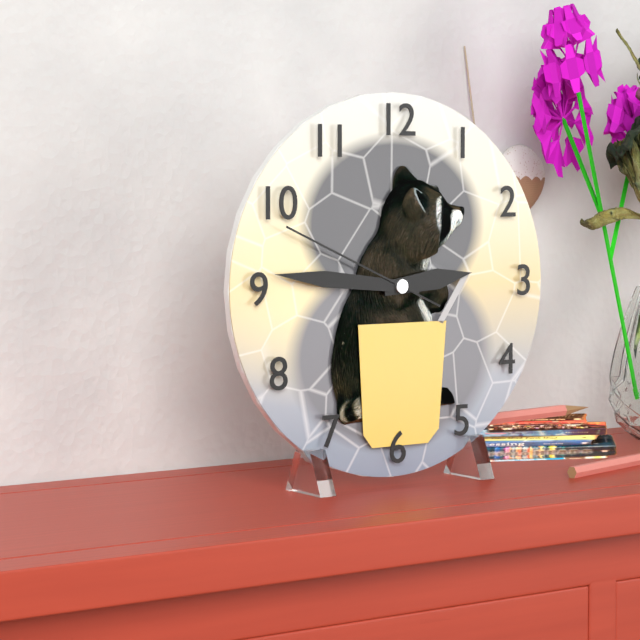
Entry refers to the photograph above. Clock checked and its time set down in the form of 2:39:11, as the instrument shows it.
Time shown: 2:46:49
